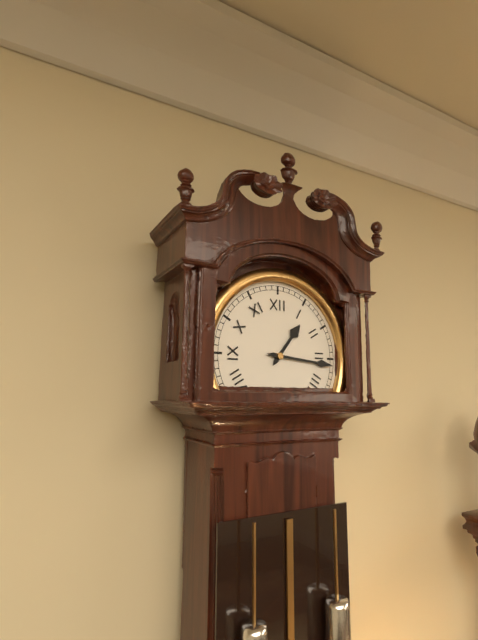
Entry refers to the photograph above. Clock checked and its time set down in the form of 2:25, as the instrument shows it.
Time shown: 1:16
